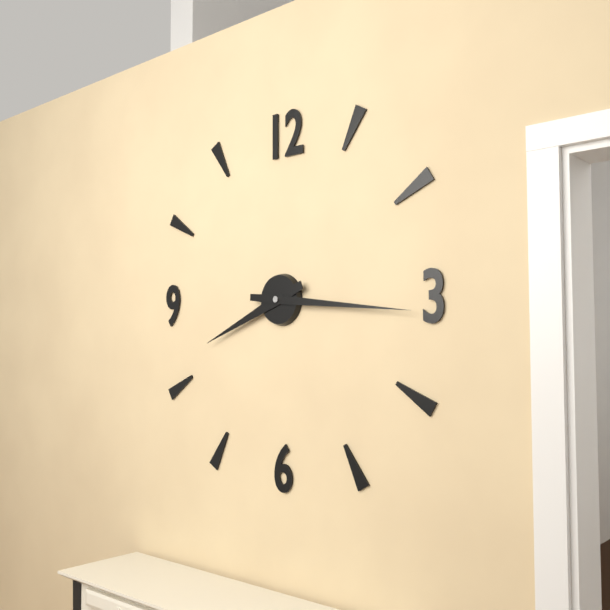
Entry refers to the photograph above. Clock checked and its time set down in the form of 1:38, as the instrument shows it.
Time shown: 8:16
